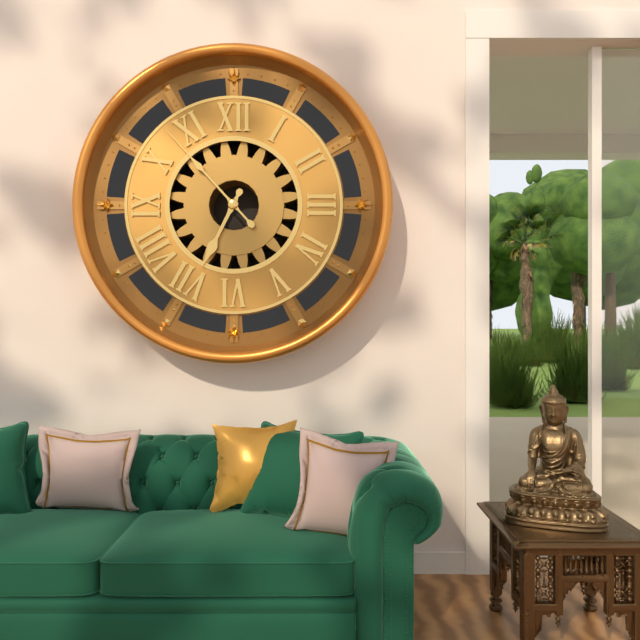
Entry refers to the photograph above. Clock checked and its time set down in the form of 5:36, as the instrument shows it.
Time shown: 6:53
